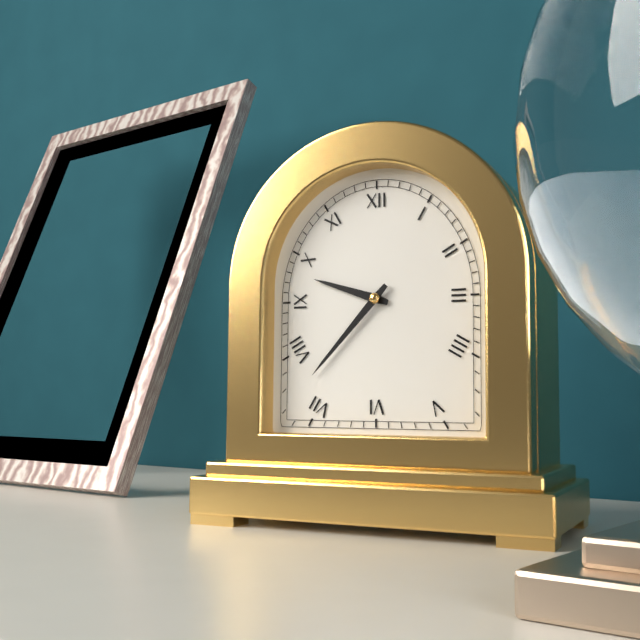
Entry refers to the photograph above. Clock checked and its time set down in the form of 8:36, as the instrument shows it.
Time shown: 9:37
